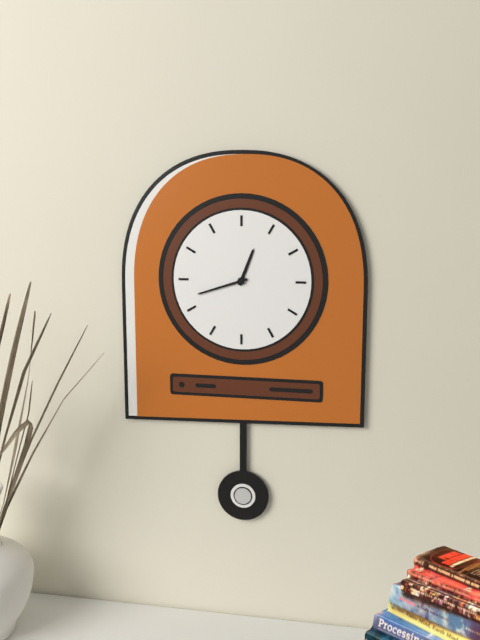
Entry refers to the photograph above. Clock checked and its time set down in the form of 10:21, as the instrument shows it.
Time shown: 12:42
